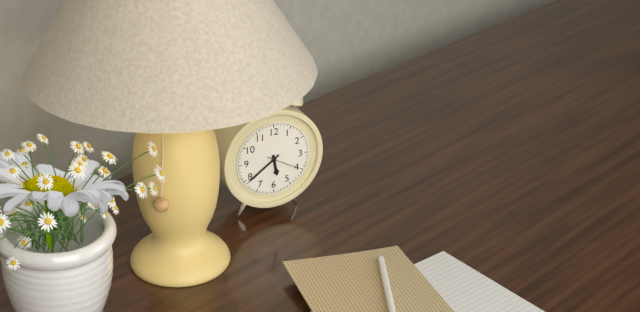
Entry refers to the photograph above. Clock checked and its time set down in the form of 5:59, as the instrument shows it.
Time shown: 5:39
